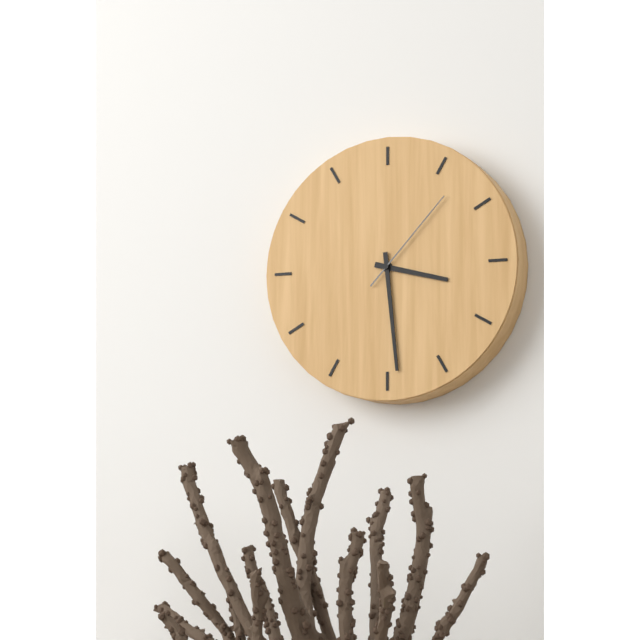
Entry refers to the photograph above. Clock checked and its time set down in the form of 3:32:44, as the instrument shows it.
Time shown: 3:29:07
